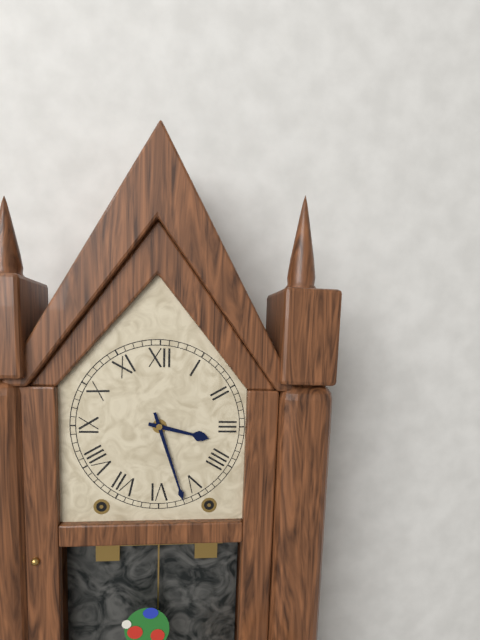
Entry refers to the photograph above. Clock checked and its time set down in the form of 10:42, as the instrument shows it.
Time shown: 3:27
